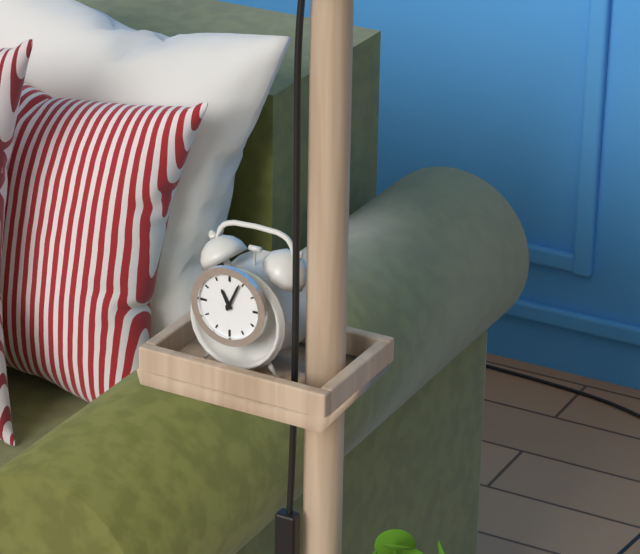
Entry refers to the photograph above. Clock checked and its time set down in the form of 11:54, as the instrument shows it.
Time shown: 11:04
